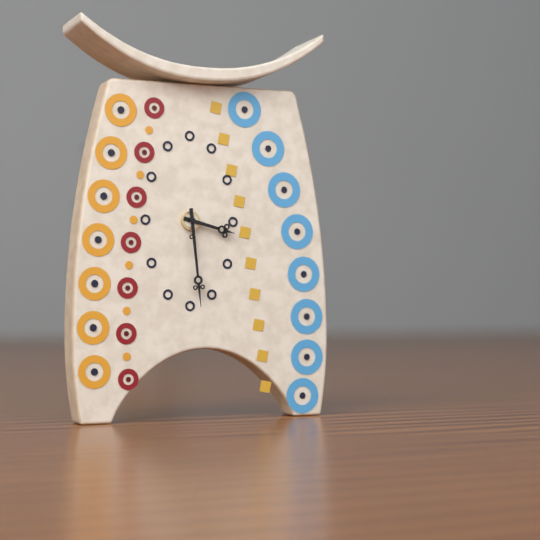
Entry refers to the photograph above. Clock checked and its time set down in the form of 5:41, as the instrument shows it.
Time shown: 3:29
